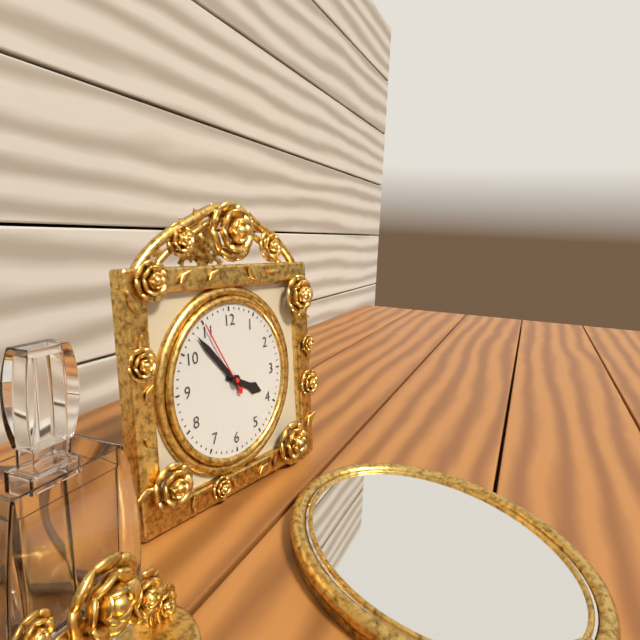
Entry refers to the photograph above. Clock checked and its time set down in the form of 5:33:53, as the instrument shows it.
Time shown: 3:53:55
